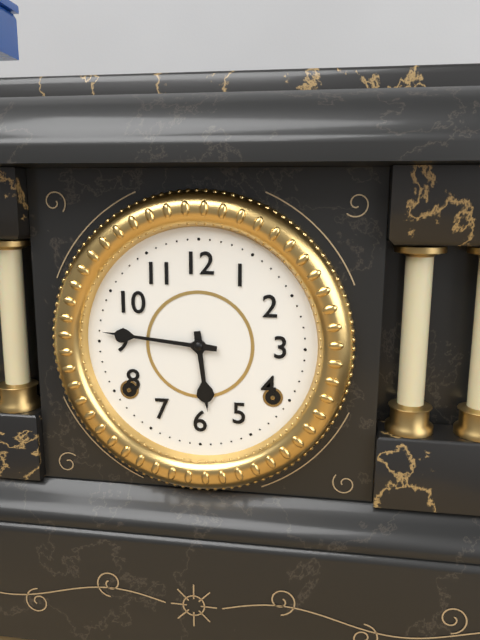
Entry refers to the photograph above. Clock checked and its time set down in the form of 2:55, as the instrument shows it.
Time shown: 5:46
